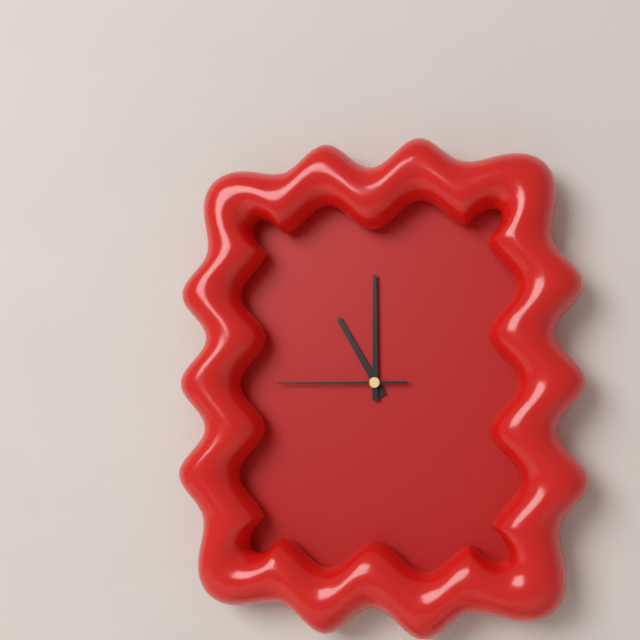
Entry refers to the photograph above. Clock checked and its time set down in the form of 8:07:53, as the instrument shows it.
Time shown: 11:00:45
